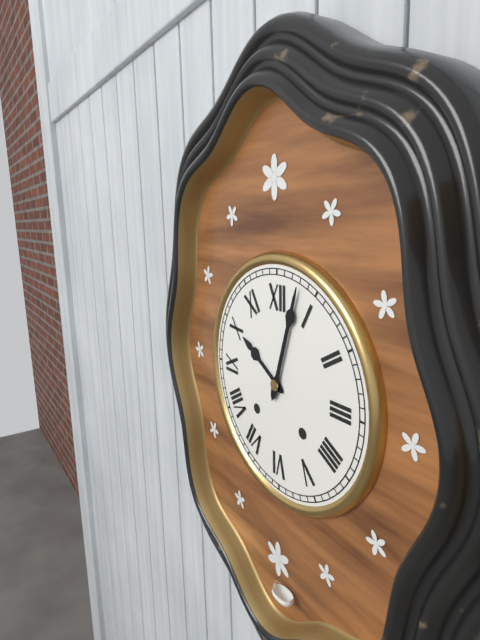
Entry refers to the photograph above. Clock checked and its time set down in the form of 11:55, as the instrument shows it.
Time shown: 10:03
